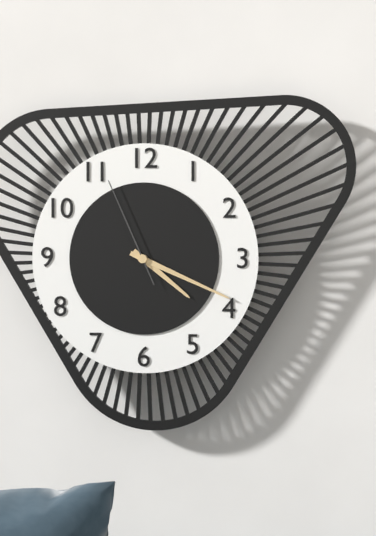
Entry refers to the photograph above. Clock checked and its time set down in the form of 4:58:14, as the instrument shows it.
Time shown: 4:19:56
